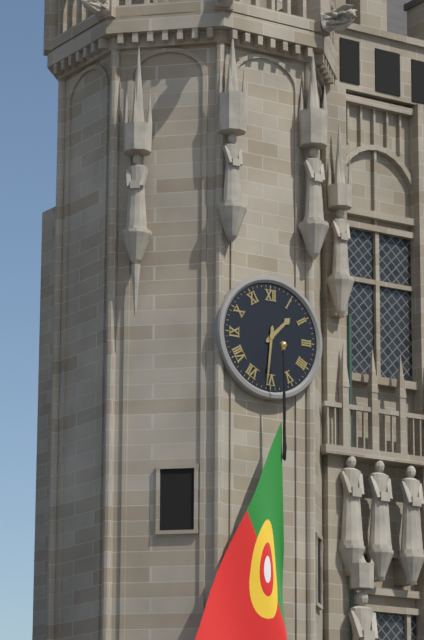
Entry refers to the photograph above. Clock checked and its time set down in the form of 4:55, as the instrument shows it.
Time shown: 1:31
